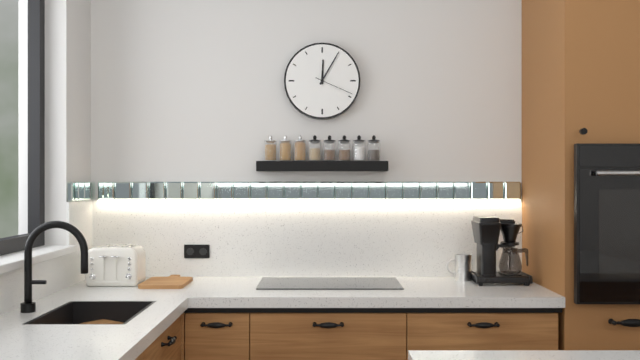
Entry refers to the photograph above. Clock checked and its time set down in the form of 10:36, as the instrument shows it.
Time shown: 12:05
